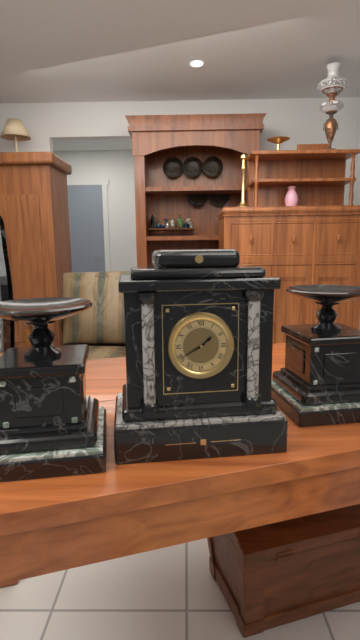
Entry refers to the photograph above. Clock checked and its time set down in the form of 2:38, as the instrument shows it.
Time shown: 1:40
